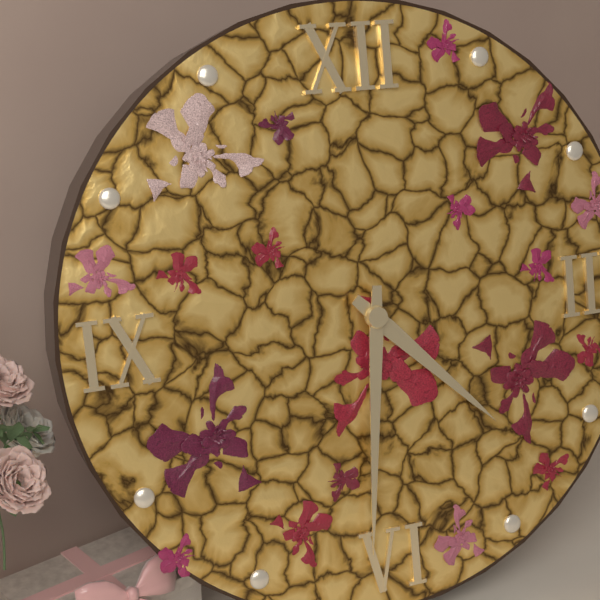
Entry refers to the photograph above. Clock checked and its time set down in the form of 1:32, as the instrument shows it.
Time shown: 4:31
